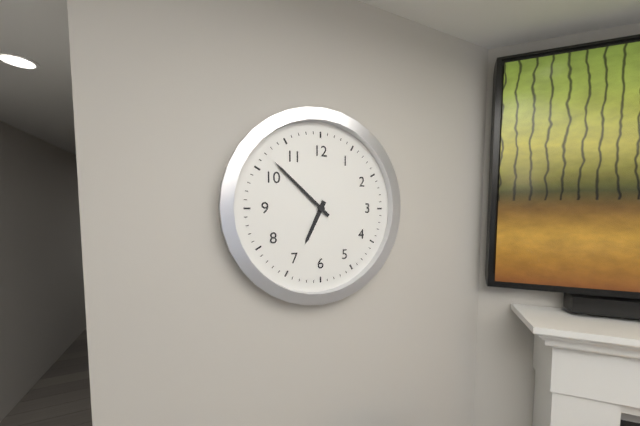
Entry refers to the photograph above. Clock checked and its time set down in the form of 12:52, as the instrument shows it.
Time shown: 6:52
